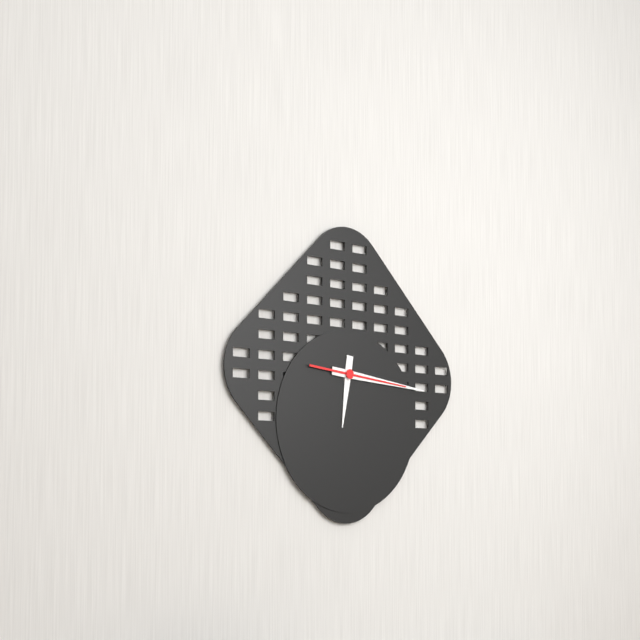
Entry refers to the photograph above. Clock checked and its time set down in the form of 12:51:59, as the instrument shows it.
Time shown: 6:16:16
